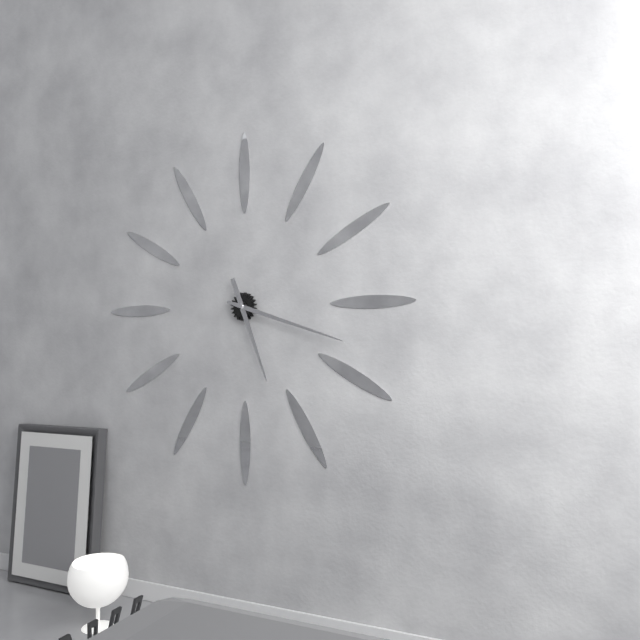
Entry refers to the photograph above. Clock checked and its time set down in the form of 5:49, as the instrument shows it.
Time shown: 5:18
